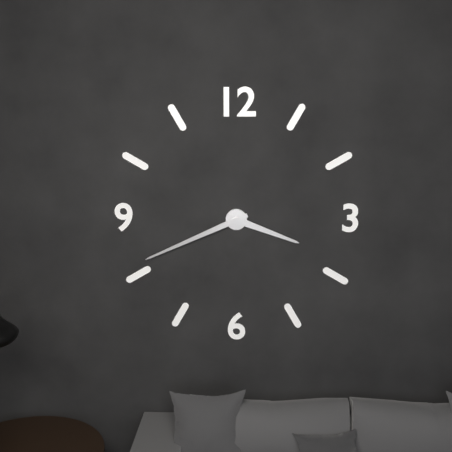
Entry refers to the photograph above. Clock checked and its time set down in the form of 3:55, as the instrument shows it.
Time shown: 3:41
